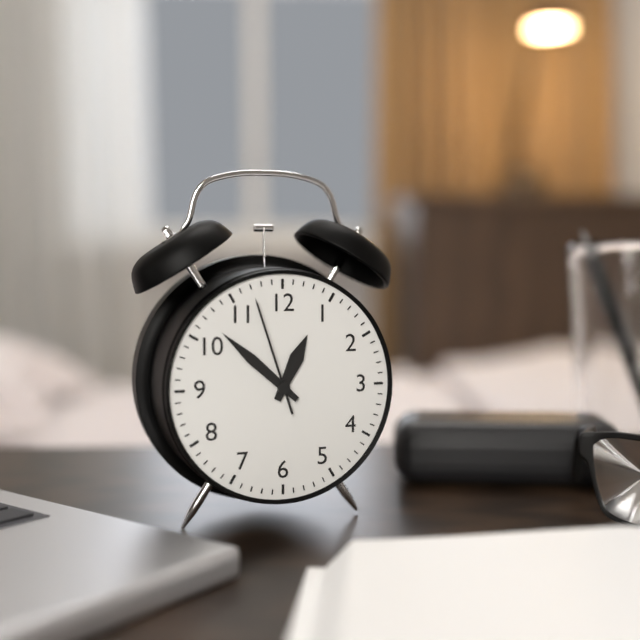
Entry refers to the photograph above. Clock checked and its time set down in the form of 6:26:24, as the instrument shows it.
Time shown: 12:52:57
